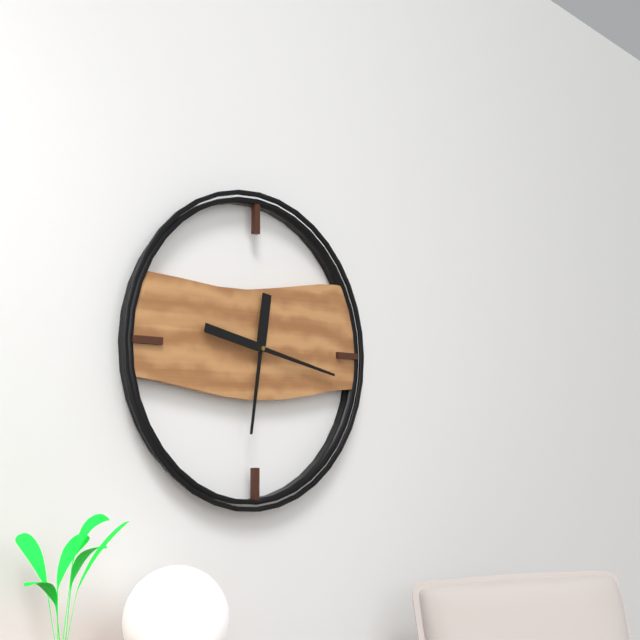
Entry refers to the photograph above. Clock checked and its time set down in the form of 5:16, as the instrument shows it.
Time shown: 6:17
